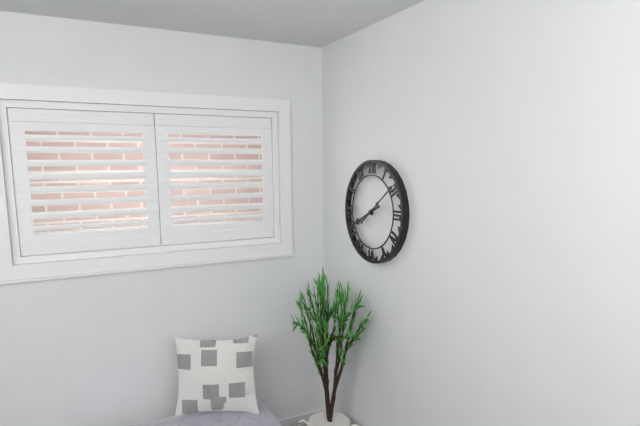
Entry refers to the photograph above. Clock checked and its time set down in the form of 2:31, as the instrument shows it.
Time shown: 8:09
